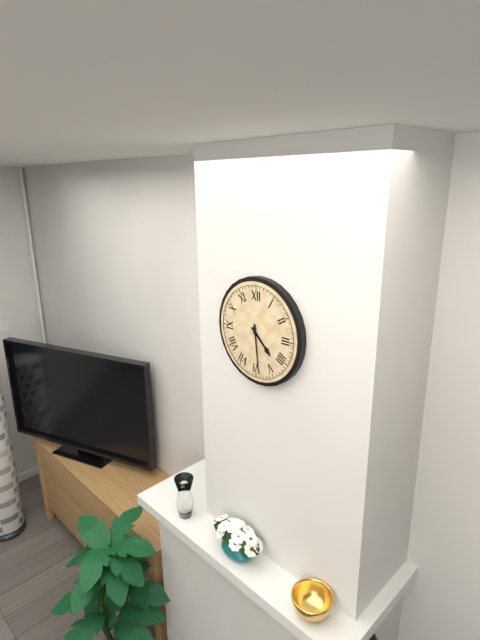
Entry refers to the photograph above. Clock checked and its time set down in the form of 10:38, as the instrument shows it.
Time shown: 4:29
